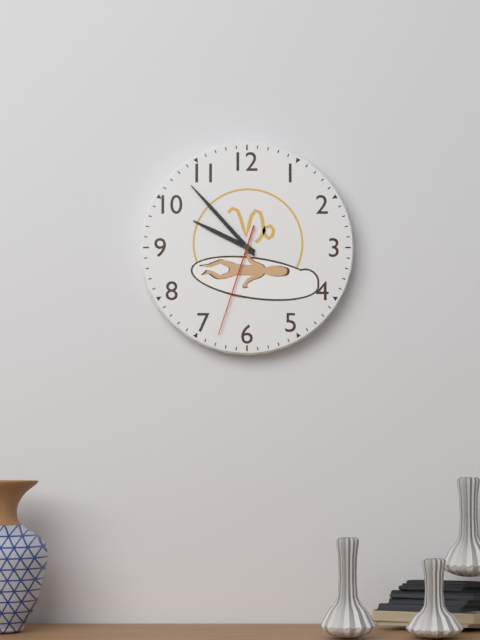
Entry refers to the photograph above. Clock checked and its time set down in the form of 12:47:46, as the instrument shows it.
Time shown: 9:53:33
